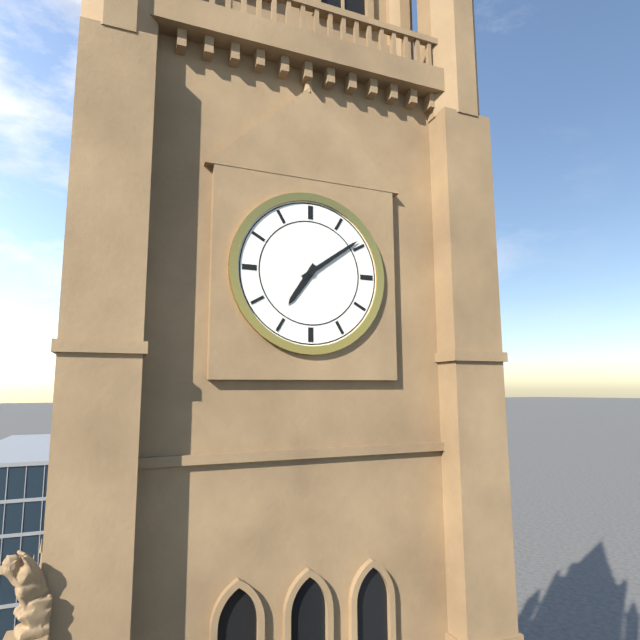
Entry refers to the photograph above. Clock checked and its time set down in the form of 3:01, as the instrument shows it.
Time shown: 7:09
